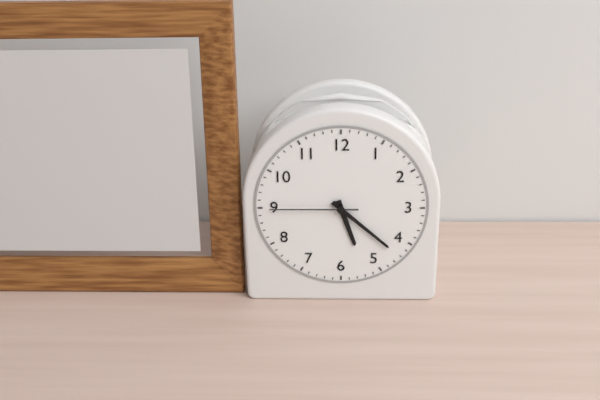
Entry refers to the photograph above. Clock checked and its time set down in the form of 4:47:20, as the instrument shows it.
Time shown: 5:22:45
